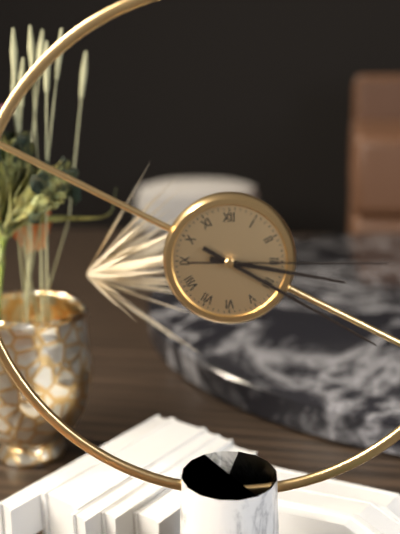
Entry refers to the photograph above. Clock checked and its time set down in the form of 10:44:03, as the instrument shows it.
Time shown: 3:20:15
